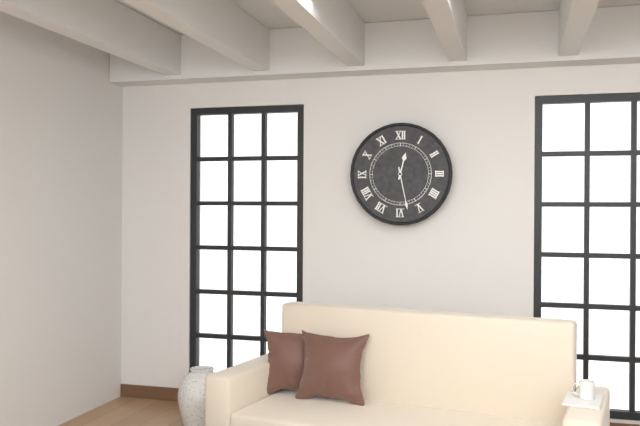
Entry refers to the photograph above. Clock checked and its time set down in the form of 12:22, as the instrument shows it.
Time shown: 12:28
